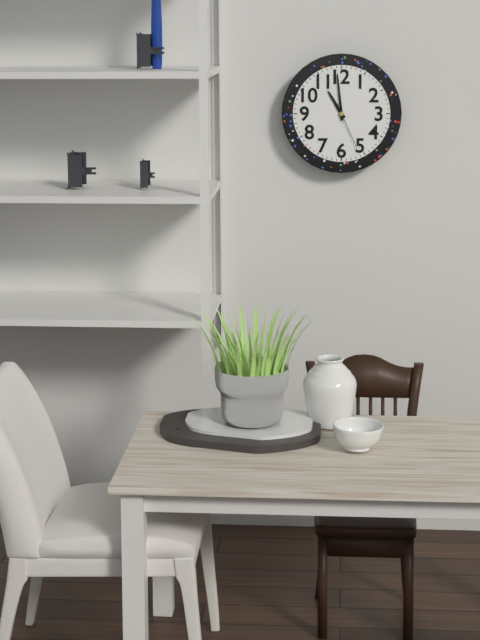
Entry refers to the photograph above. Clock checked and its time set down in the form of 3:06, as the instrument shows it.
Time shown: 10:59
